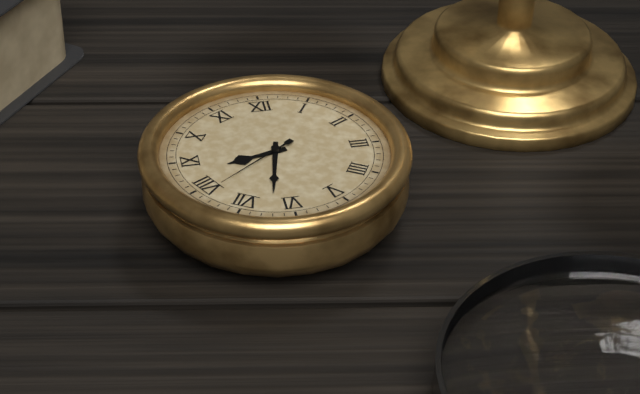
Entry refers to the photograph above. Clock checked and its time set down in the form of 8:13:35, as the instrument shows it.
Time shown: 8:32:39
